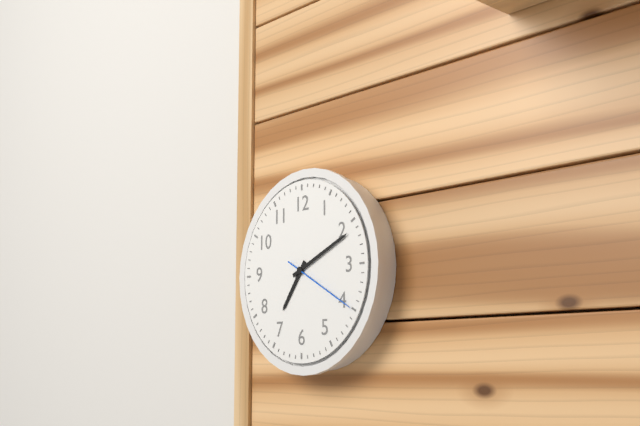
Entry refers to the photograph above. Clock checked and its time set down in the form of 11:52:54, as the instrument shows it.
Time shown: 7:11:20
